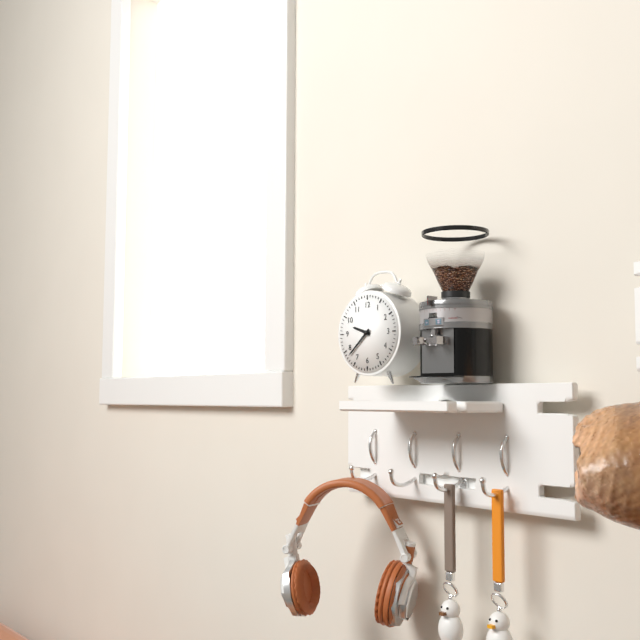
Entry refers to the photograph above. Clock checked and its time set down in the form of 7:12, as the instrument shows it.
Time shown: 9:38
